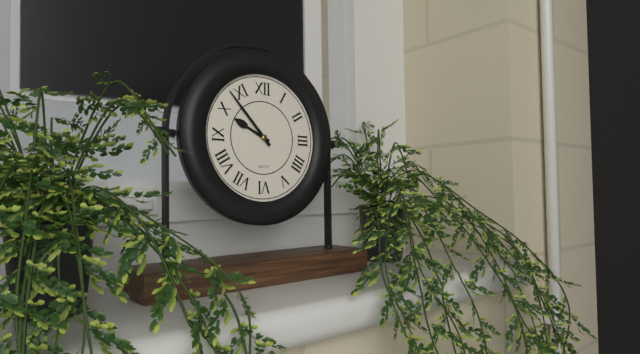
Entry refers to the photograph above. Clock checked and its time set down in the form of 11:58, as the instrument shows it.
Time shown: 9:53
